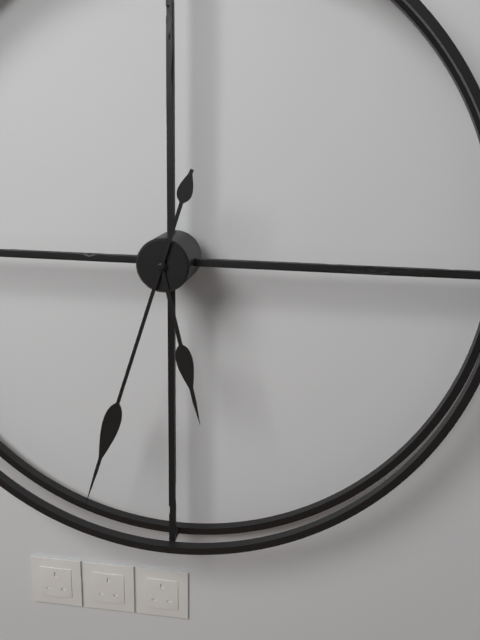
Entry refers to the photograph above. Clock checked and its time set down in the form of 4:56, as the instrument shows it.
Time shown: 5:33
